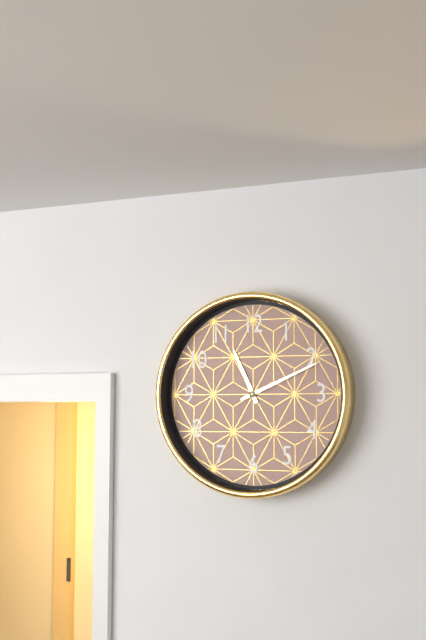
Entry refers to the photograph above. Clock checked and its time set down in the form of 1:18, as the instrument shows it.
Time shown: 11:11
